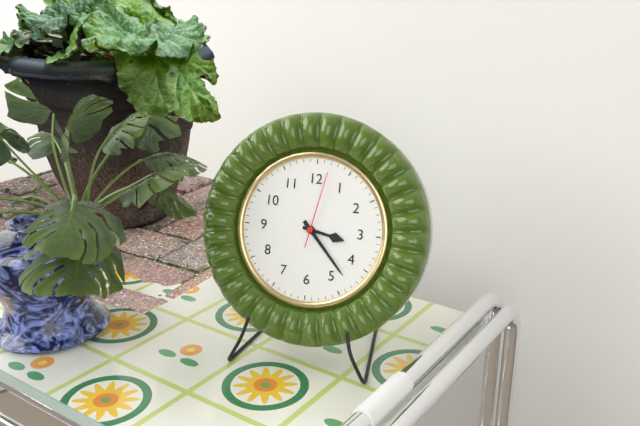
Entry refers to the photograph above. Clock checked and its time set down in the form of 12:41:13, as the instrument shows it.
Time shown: 3:23:02
